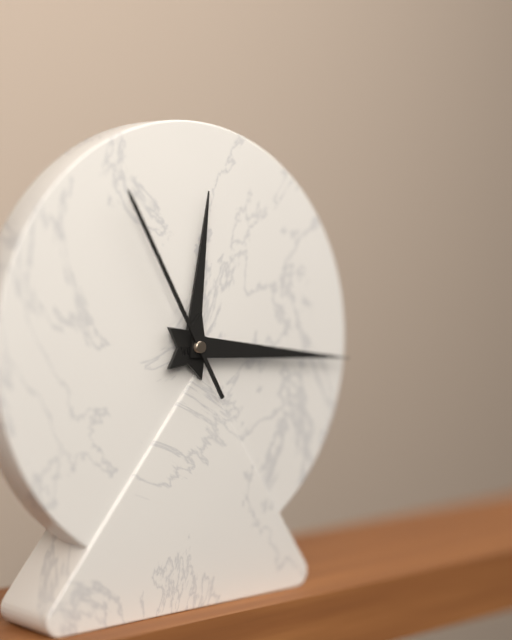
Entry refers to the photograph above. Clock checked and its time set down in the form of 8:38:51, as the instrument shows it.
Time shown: 12:16:55
